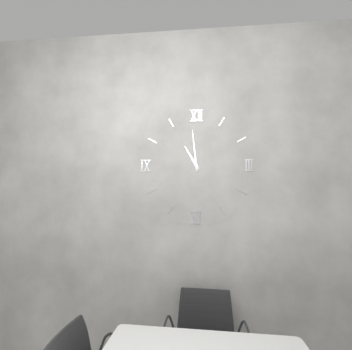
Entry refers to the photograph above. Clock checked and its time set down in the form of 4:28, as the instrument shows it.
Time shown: 10:59
